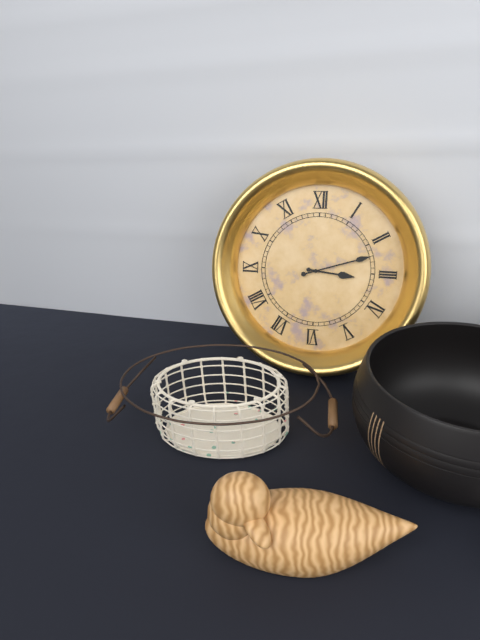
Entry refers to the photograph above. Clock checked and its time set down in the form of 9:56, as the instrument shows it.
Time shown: 3:12
